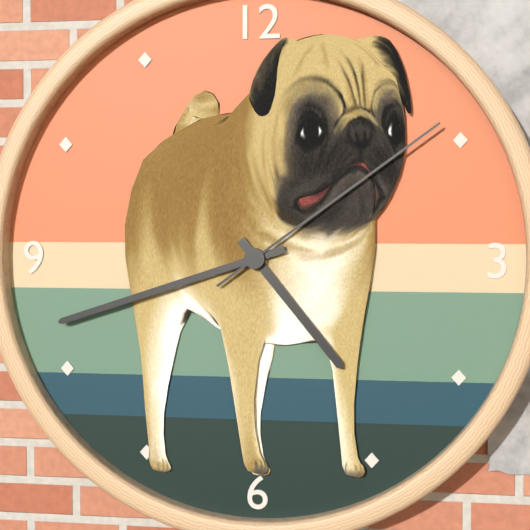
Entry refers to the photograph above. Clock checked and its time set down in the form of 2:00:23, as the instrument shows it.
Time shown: 4:42:09
